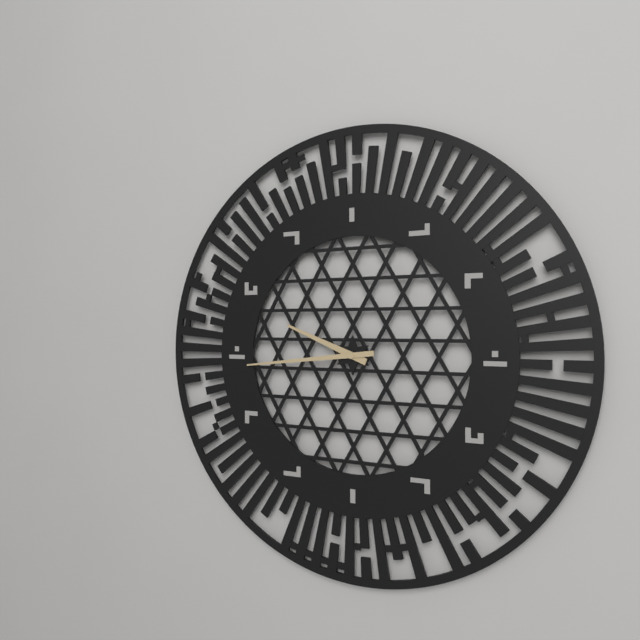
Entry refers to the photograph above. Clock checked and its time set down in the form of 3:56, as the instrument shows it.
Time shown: 9:44
